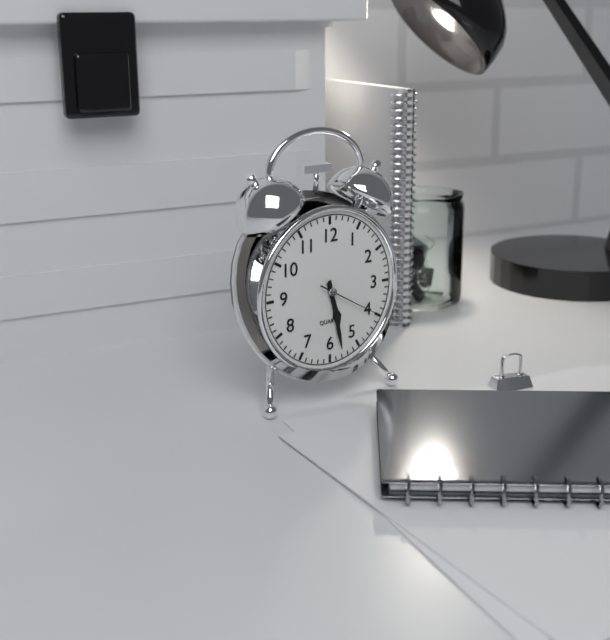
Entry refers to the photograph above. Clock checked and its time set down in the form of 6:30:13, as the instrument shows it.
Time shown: 5:28:20
